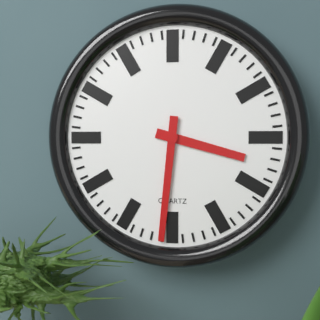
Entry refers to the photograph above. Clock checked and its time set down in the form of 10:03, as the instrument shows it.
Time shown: 3:31
